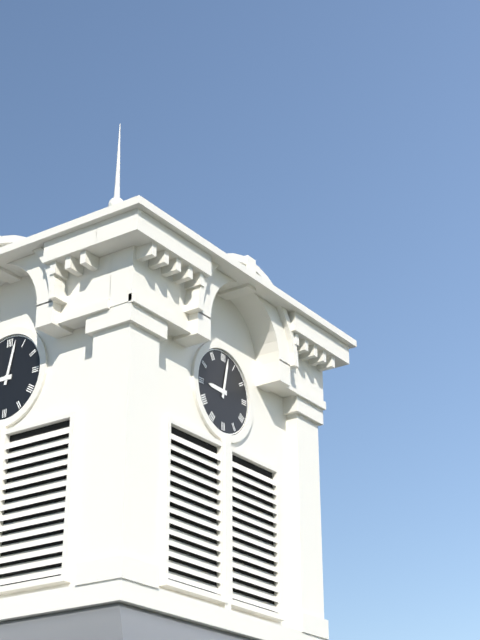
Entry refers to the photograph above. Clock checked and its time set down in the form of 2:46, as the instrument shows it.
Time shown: 9:02
